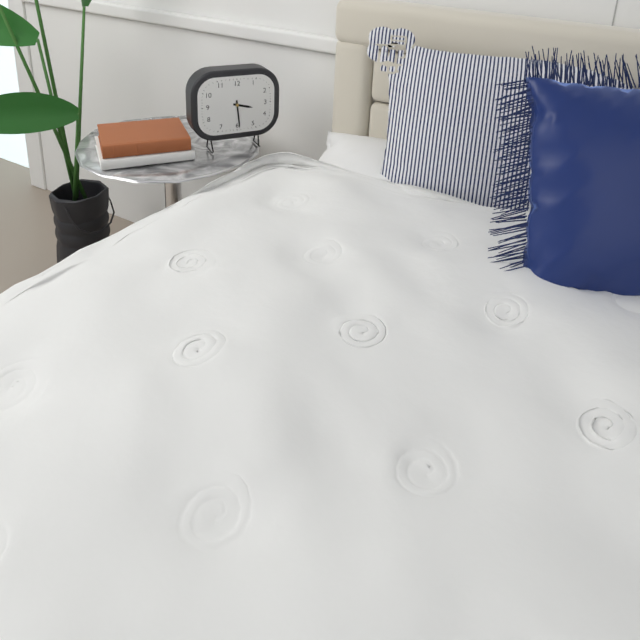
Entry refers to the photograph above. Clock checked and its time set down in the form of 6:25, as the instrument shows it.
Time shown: 3:29
